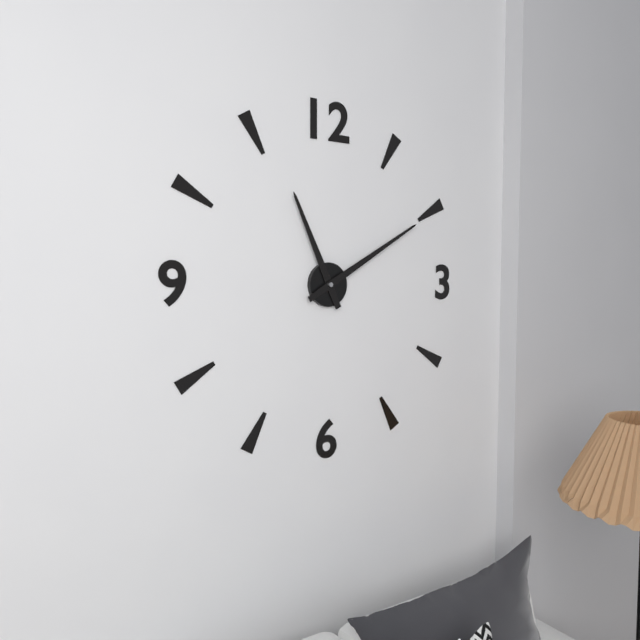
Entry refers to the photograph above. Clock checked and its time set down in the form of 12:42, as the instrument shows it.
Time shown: 11:10
